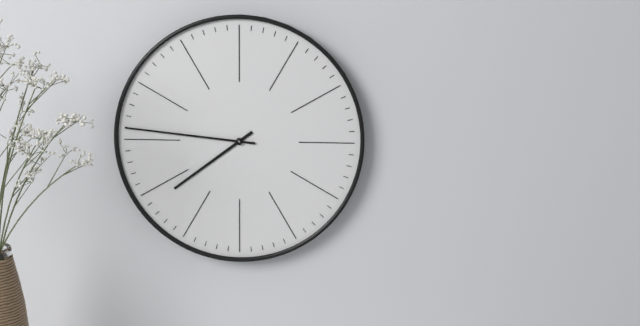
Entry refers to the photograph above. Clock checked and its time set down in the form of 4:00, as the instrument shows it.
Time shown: 7:46
